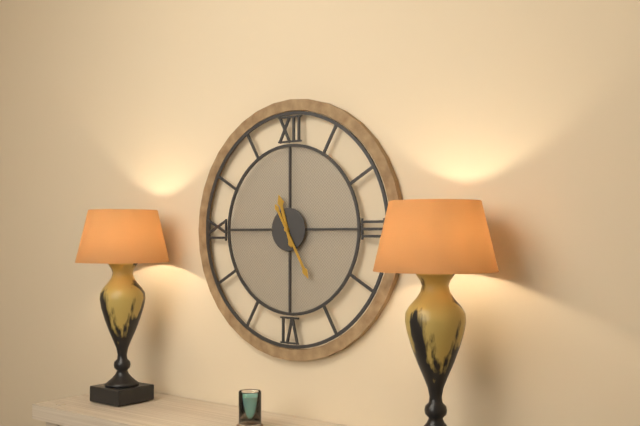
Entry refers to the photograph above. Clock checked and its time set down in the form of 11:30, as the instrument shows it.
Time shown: 11:25
